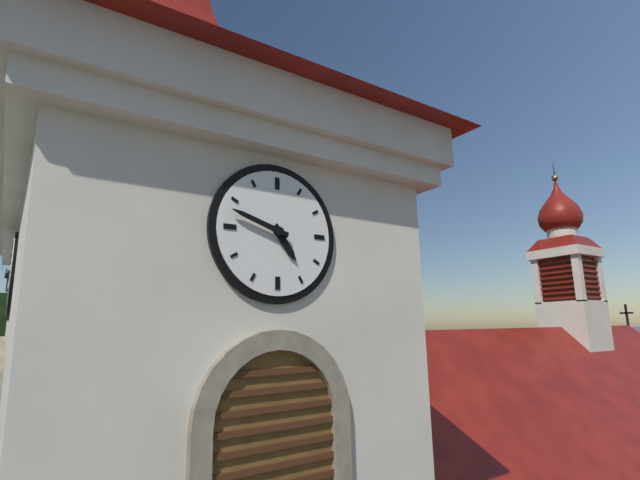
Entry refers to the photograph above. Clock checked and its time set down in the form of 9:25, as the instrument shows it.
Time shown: 4:48
